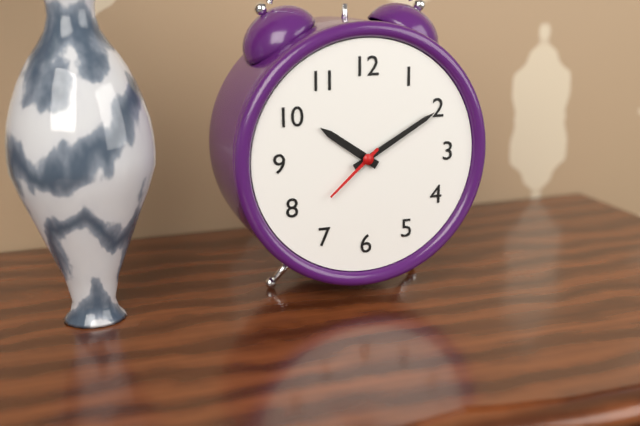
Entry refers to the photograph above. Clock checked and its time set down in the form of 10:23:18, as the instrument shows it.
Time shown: 10:10:38
